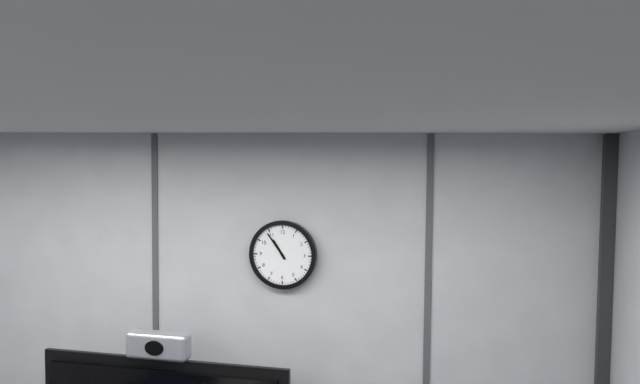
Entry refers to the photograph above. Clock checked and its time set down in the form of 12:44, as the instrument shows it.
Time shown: 10:54
